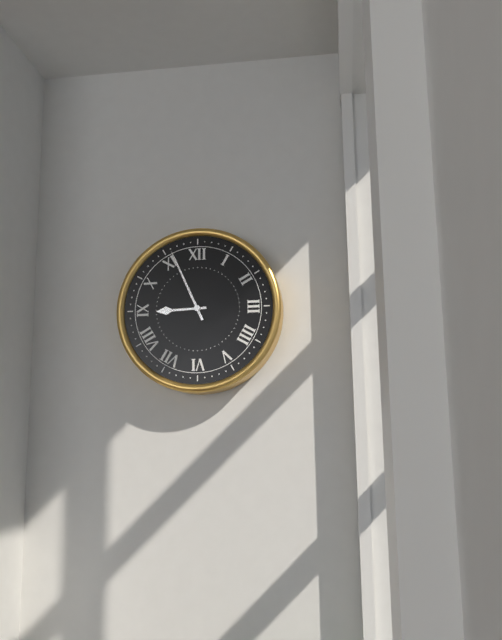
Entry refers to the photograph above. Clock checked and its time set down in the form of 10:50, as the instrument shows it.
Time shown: 8:56
